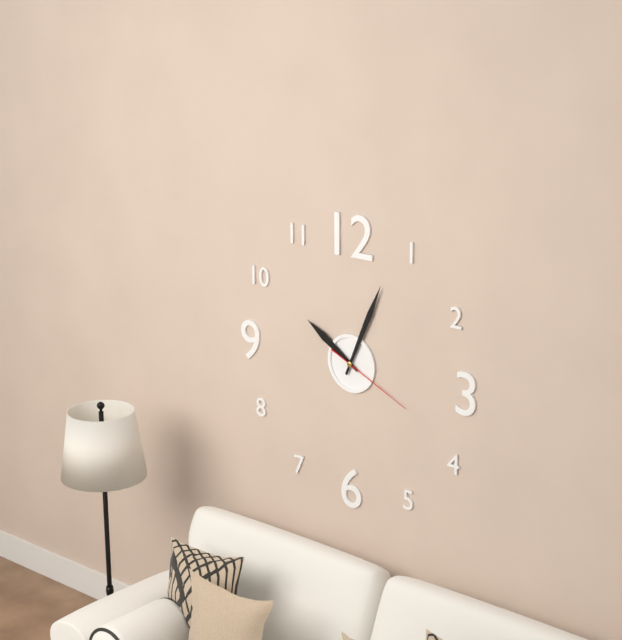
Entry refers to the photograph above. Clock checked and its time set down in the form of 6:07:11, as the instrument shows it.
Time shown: 10:04:19
